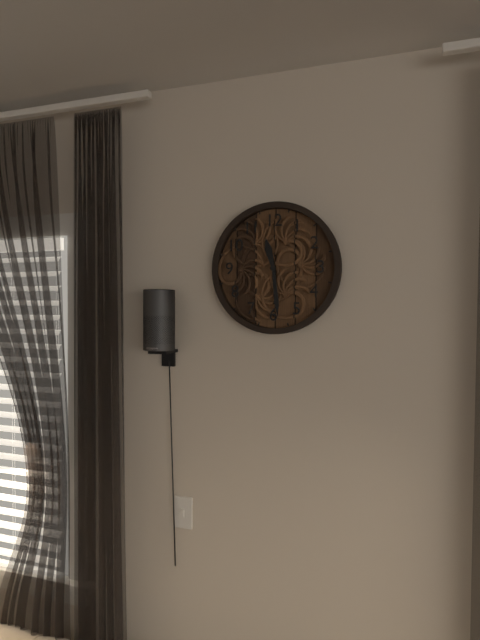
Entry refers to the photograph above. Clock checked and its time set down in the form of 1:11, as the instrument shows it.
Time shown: 11:29
